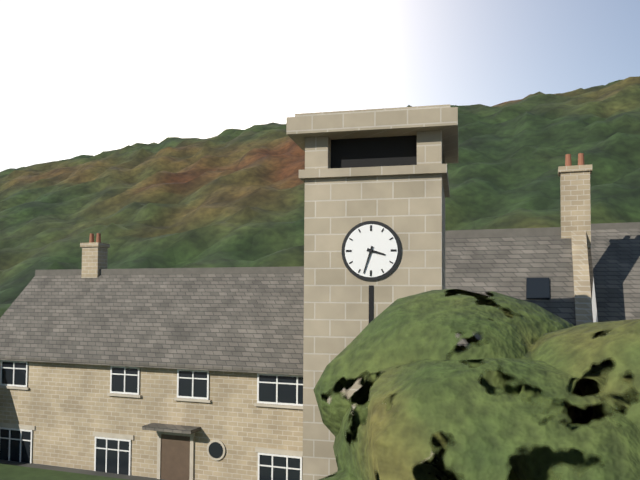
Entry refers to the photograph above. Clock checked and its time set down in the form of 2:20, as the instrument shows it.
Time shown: 3:33
